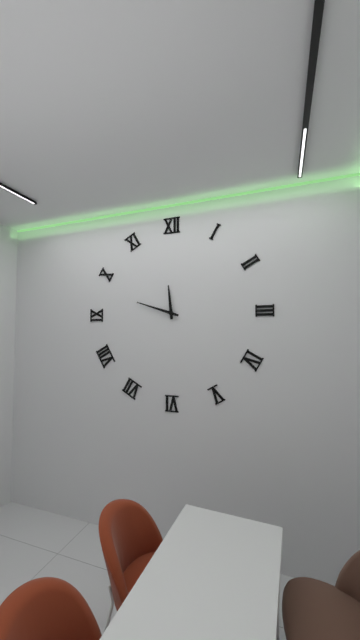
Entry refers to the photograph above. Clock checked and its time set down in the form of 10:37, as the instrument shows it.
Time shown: 11:48
